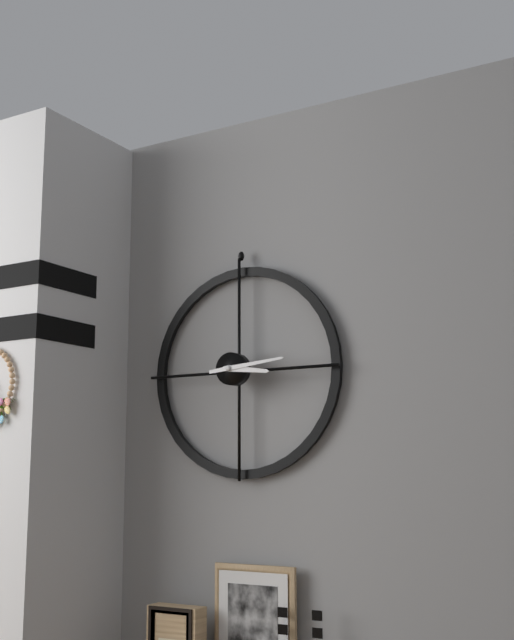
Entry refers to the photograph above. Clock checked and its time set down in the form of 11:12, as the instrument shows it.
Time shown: 3:14
